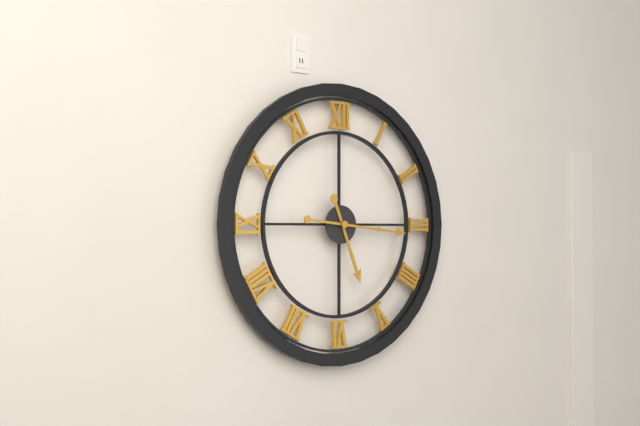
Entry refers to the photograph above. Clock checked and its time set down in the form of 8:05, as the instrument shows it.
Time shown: 5:16
